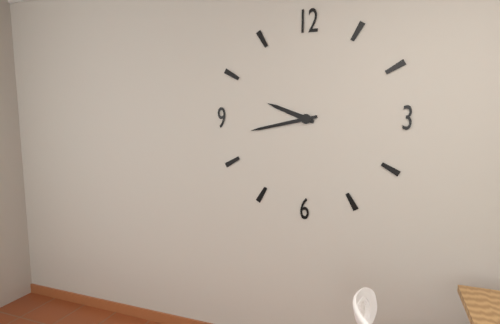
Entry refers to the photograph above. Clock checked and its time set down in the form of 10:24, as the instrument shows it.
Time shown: 9:43
